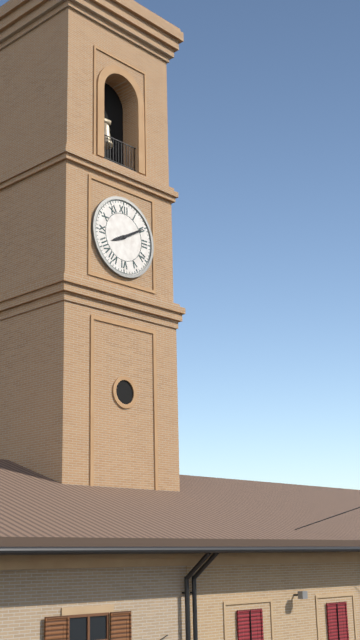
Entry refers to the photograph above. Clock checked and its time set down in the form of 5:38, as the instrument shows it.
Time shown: 8:10
